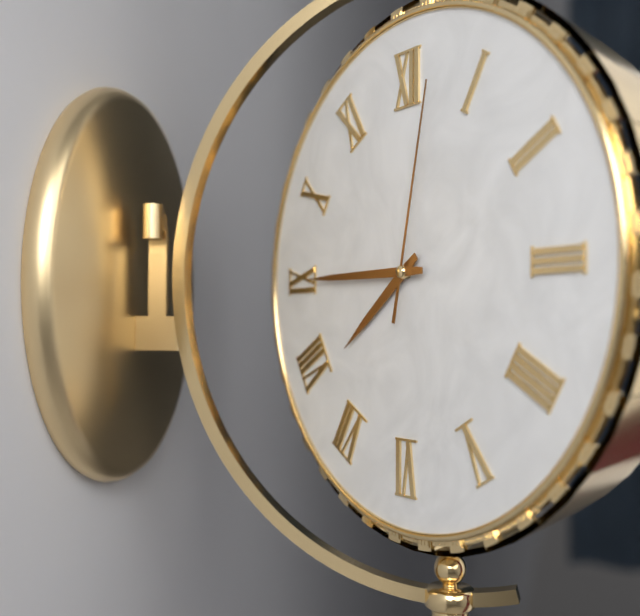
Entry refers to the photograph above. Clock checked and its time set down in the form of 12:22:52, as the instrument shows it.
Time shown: 7:45:02
